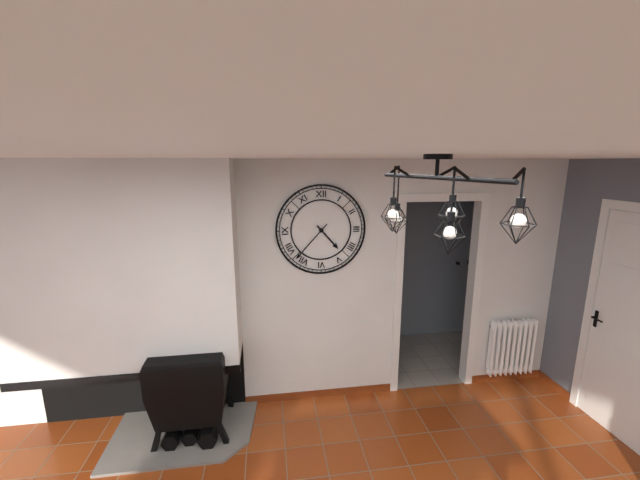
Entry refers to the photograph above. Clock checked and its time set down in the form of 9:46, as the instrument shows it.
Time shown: 4:37
